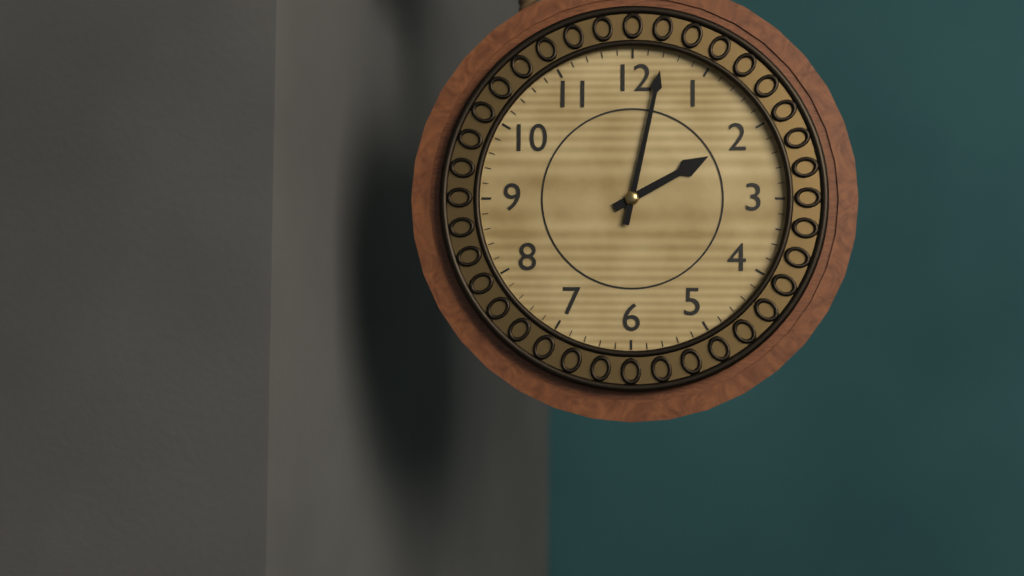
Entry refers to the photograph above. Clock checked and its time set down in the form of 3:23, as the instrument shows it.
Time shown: 2:02
